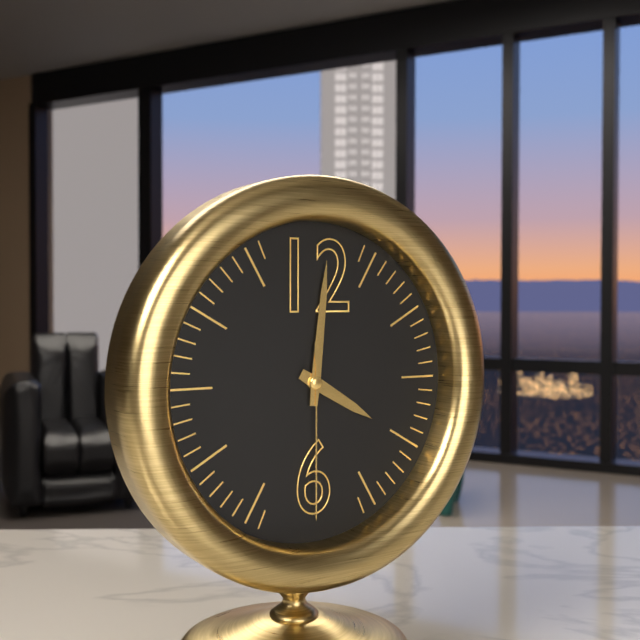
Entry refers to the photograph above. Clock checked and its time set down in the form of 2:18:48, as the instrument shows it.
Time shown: 4:01:30
